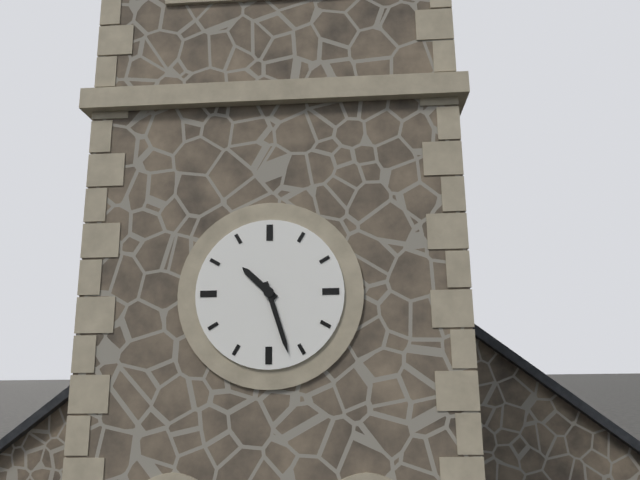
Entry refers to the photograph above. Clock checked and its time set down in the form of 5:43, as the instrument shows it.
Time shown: 10:27
